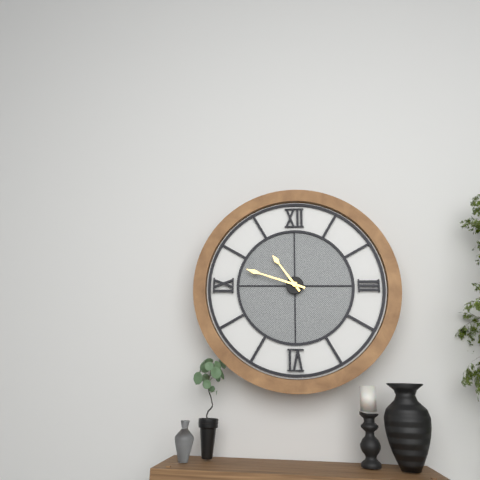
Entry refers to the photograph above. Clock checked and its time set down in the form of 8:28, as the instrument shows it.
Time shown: 10:48
